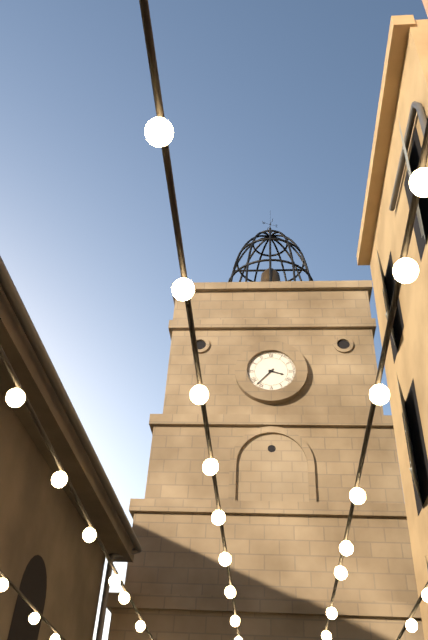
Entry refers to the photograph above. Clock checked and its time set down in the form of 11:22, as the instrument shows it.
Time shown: 3:37
